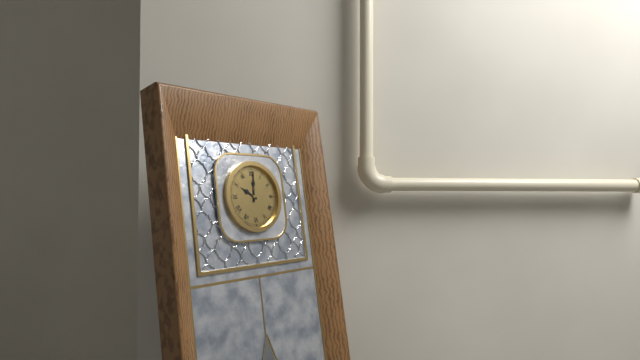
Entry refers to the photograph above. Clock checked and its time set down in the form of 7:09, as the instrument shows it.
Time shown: 10:01
